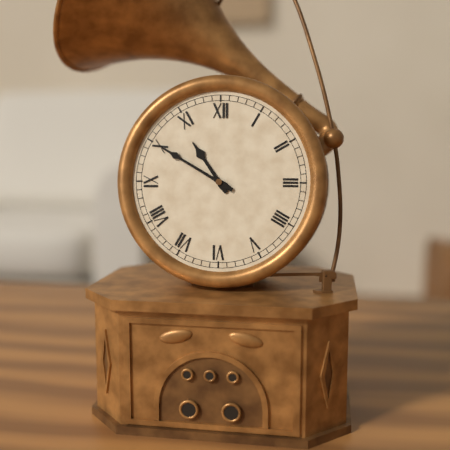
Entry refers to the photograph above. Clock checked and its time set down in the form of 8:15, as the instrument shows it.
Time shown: 10:50
